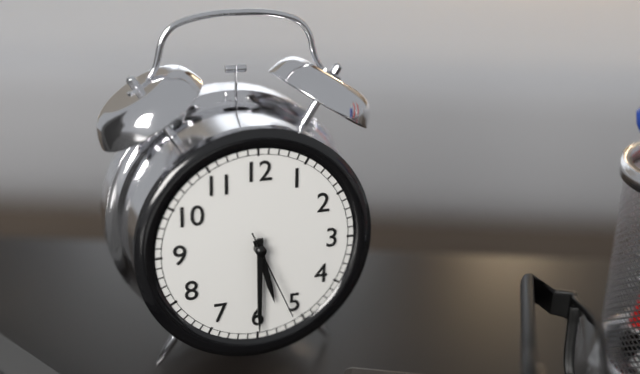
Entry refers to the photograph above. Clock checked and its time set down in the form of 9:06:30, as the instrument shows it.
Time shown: 5:30:26
